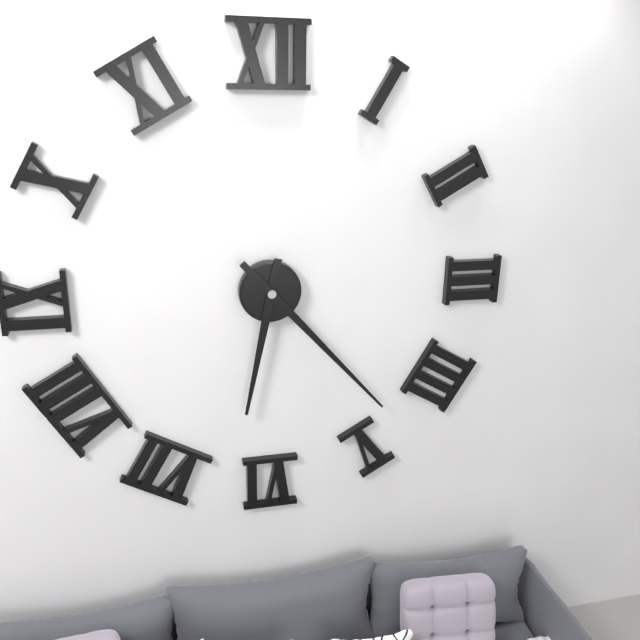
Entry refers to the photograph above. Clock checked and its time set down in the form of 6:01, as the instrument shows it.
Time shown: 6:23
